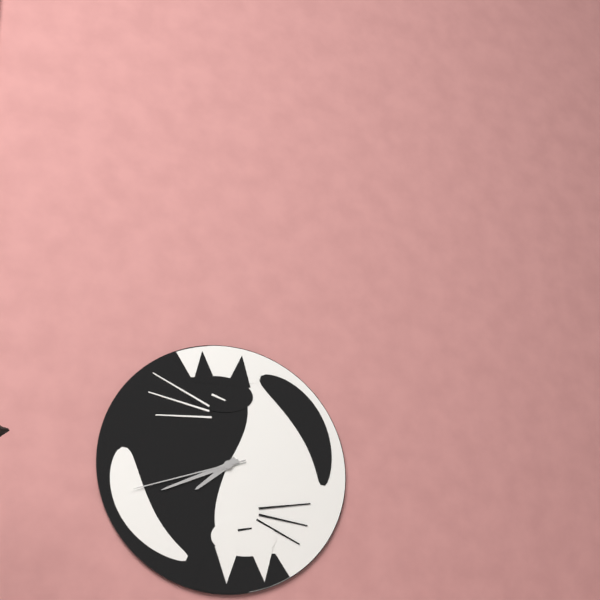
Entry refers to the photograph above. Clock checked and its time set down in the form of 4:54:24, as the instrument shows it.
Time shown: 7:41:42
